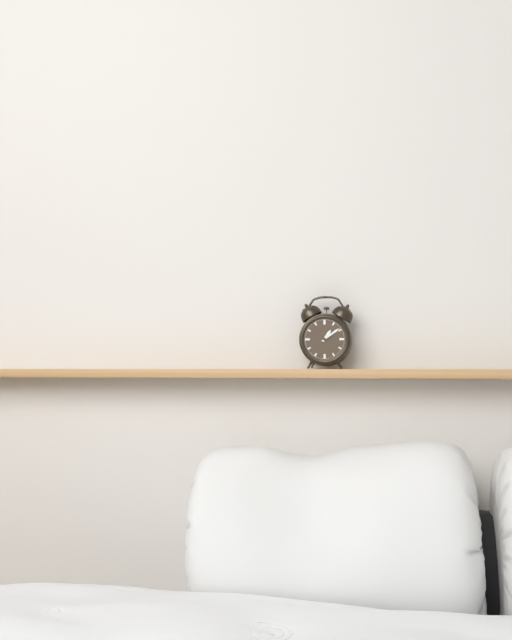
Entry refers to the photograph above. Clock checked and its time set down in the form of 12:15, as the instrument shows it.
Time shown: 1:09
